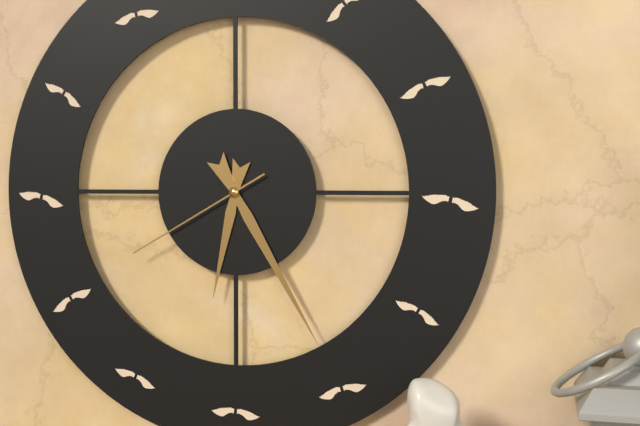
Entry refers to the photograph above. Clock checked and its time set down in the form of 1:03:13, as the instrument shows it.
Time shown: 6:25:40
